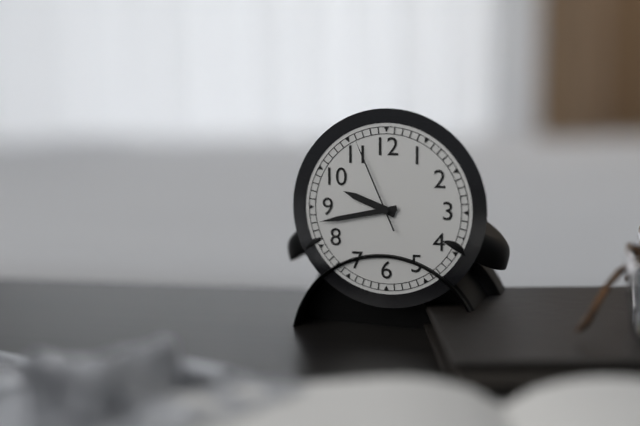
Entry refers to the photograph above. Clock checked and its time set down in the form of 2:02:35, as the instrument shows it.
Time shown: 9:43:56
